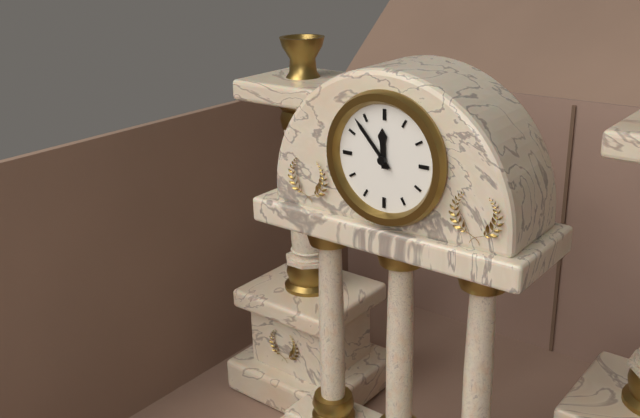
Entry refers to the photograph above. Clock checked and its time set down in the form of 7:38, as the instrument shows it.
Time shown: 11:53
